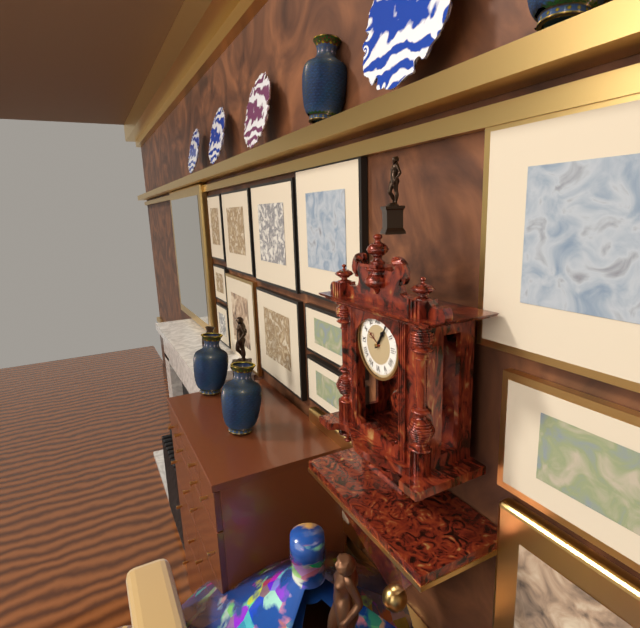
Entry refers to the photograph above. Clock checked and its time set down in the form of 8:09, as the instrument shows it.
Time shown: 1:06
